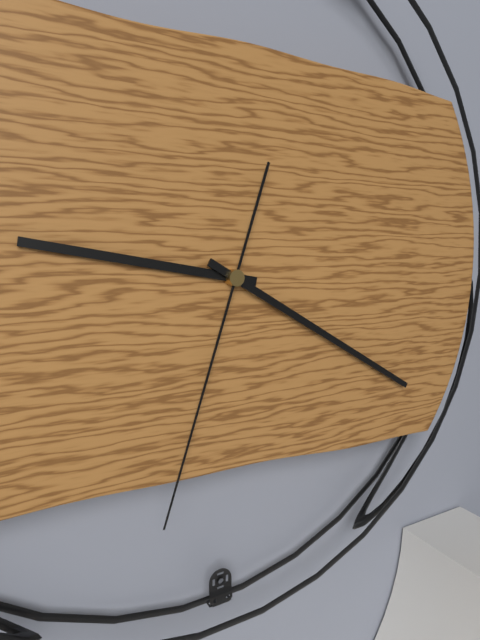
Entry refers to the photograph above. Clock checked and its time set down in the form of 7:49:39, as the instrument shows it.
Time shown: 9:20:33
